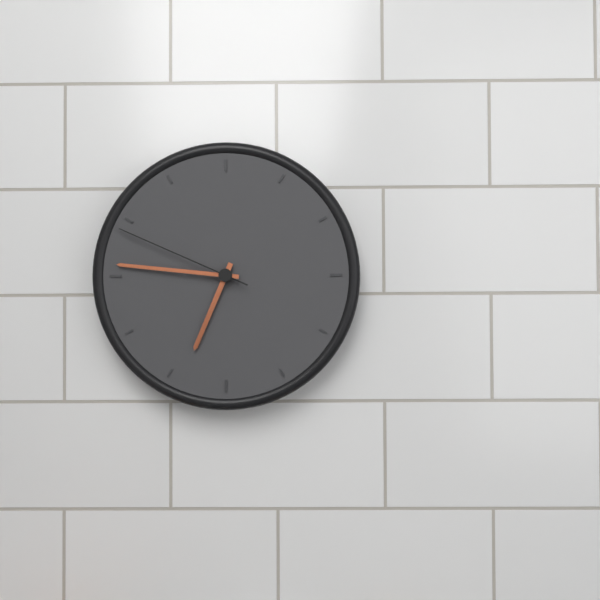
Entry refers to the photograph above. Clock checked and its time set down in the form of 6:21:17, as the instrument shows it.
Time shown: 6:46:49
